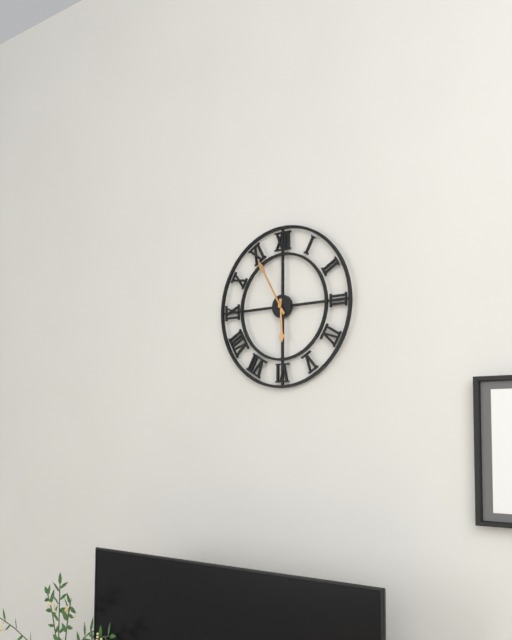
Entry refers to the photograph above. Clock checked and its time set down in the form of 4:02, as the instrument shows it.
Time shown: 5:55
